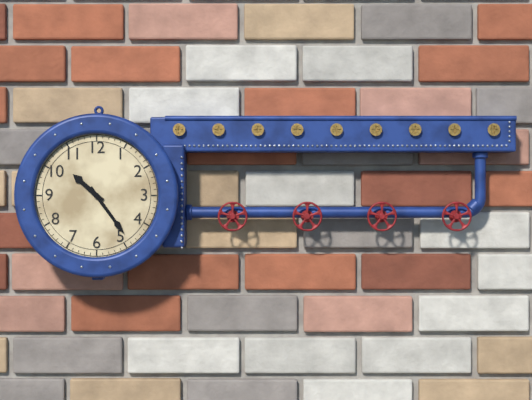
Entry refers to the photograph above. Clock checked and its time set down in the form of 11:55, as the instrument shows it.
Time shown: 10:24
